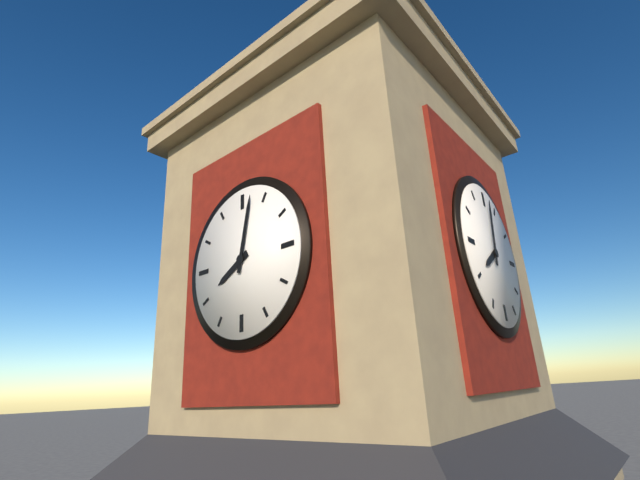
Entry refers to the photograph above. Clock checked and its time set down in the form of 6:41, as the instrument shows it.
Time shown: 8:02
